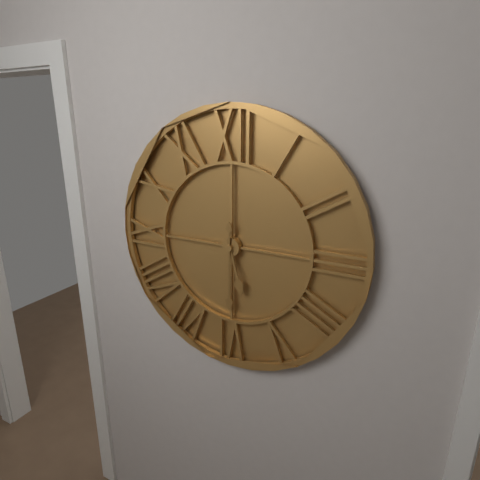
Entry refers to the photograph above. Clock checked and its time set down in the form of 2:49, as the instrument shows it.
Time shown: 5:30
